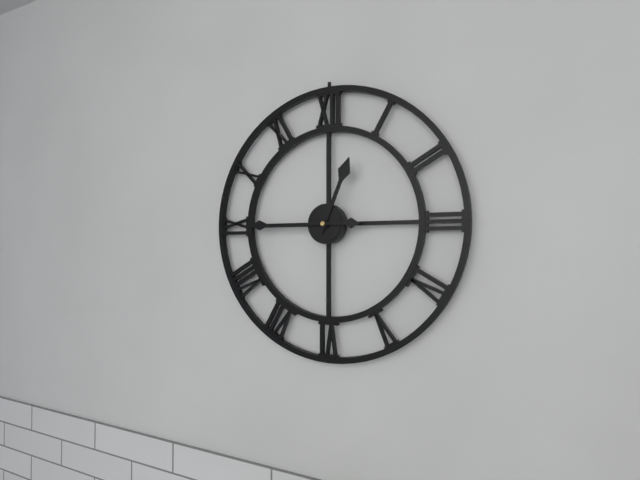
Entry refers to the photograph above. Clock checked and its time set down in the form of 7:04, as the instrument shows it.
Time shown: 12:45
